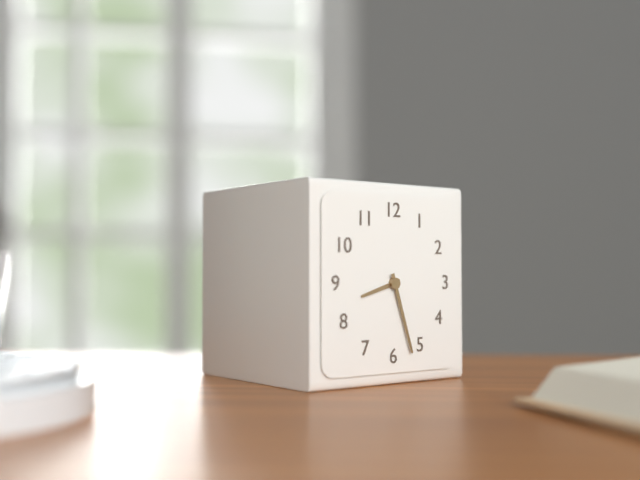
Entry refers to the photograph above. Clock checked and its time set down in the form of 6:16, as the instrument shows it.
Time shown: 8:27
